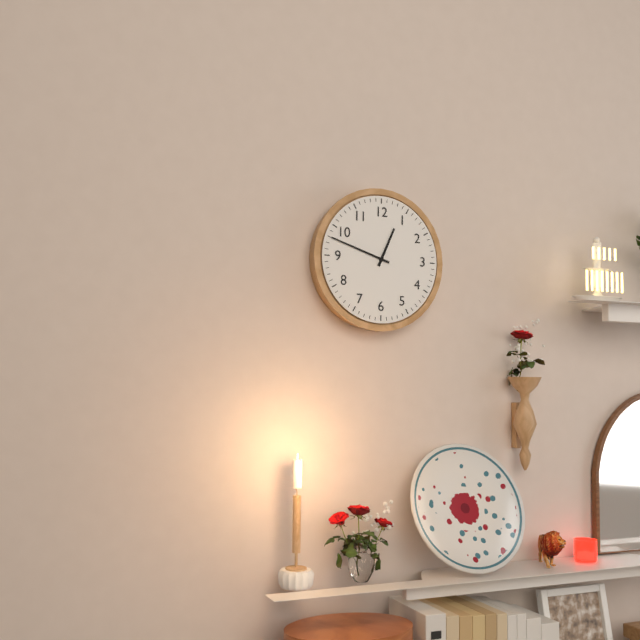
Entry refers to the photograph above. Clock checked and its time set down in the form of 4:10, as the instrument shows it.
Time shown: 12:48
